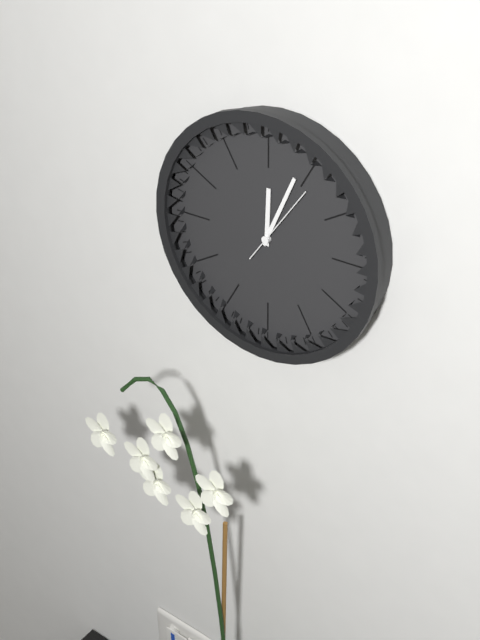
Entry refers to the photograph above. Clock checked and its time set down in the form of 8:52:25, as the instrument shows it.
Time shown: 12:04:06
